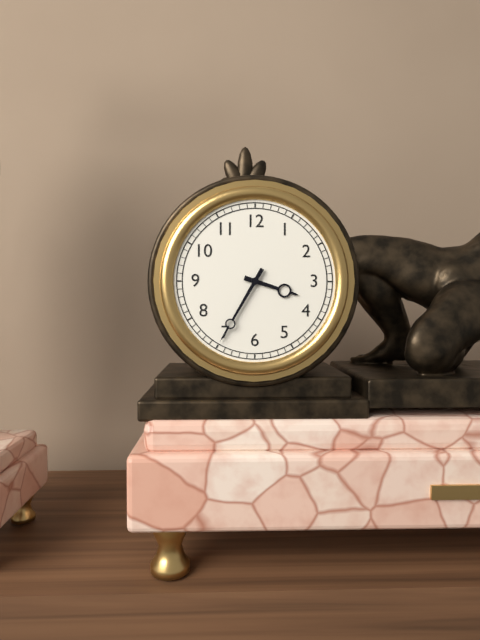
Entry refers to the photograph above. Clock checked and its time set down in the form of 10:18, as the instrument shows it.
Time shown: 3:35
